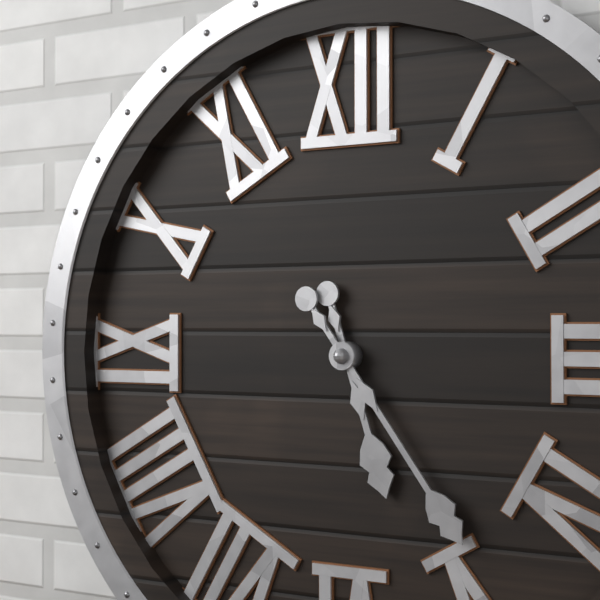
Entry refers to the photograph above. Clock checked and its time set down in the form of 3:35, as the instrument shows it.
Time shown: 5:24
